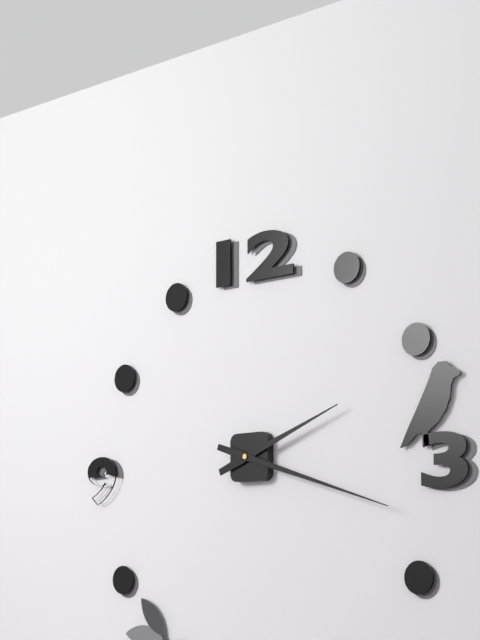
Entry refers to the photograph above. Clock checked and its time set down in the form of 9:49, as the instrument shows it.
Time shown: 2:18
